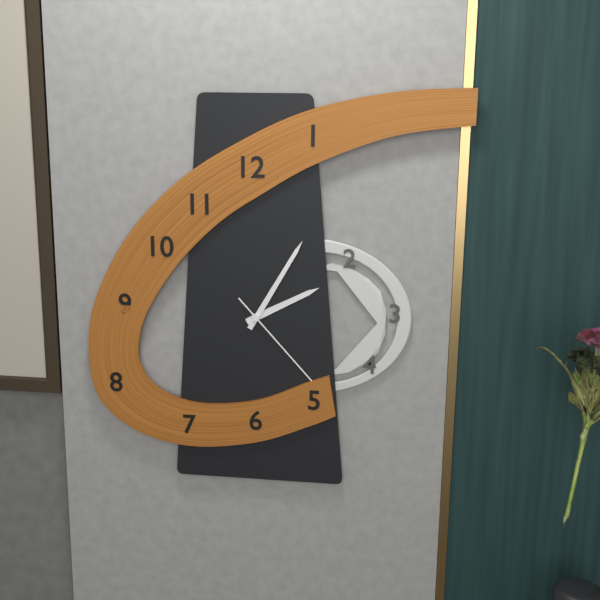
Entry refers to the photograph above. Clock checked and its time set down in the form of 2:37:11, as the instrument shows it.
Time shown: 2:05:23
